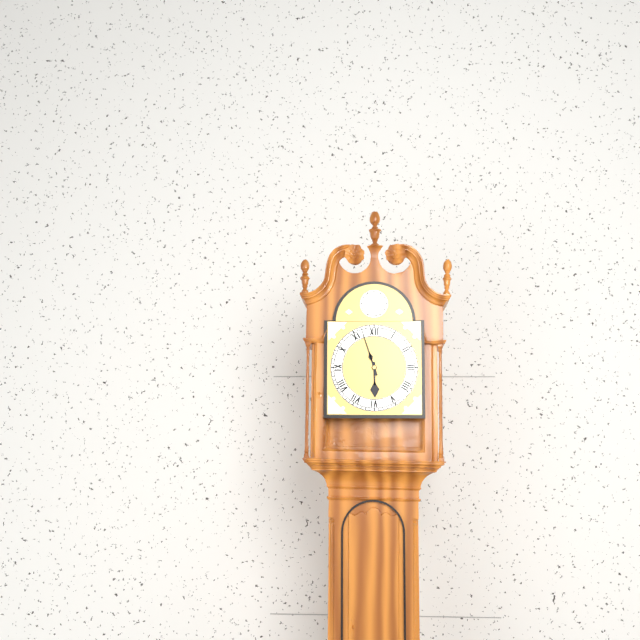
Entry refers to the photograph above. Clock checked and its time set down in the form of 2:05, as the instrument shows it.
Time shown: 5:57
